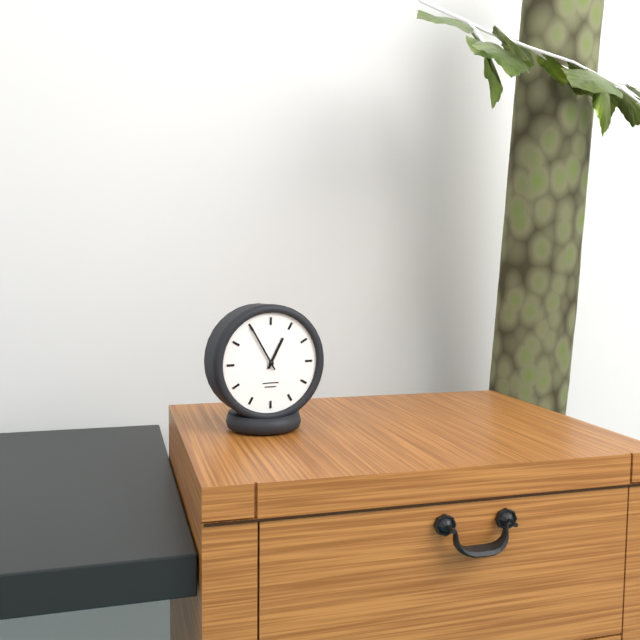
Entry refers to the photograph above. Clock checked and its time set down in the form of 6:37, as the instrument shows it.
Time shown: 12:55
